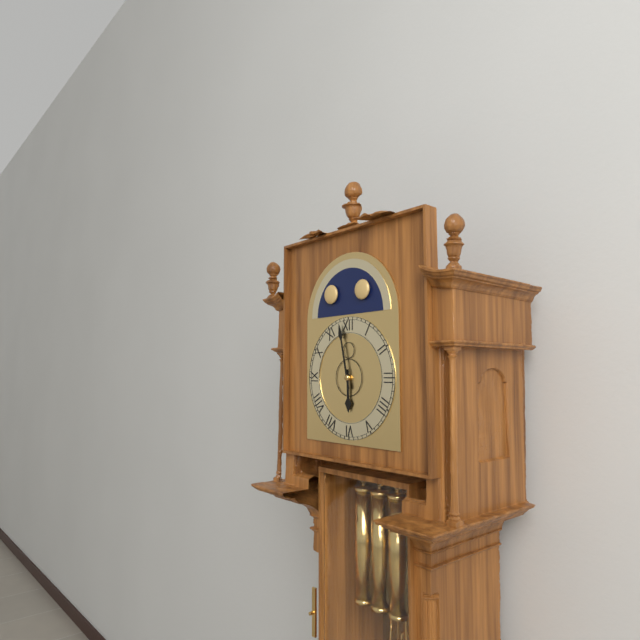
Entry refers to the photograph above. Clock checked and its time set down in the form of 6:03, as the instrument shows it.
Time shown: 5:58
